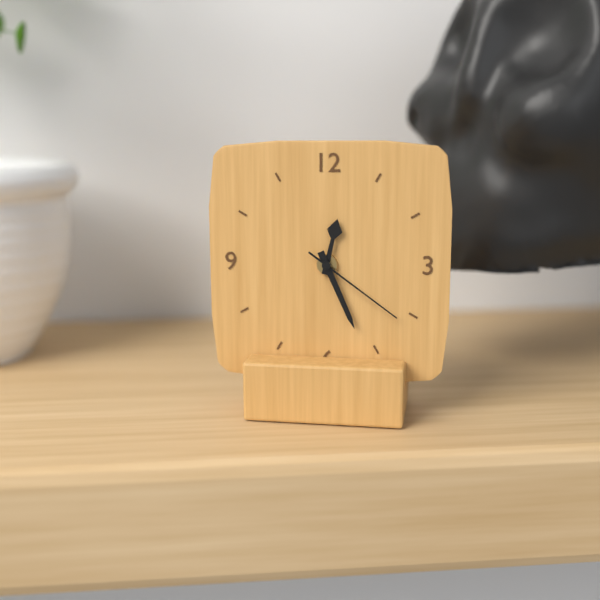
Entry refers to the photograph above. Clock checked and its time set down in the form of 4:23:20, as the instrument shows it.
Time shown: 12:26:21
